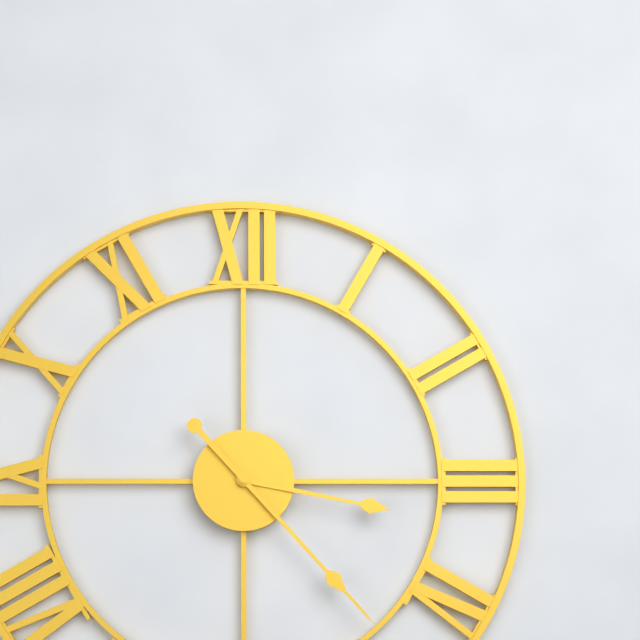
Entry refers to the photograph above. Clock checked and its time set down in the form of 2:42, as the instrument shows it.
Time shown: 3:23
